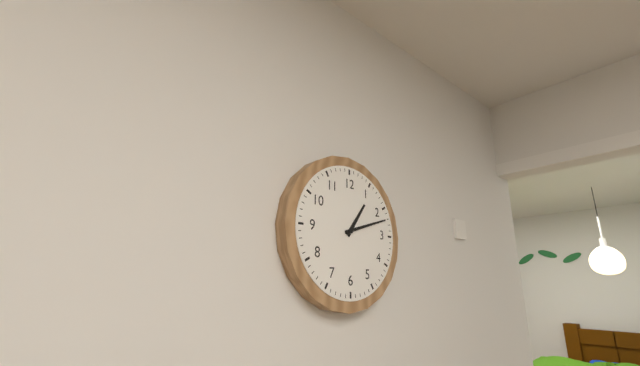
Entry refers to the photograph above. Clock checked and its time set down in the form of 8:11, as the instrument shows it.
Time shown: 1:12
